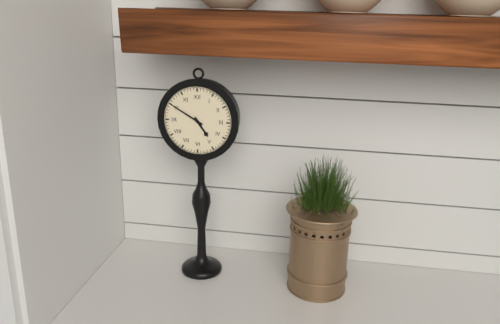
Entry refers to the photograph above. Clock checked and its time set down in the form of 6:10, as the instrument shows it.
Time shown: 4:50
